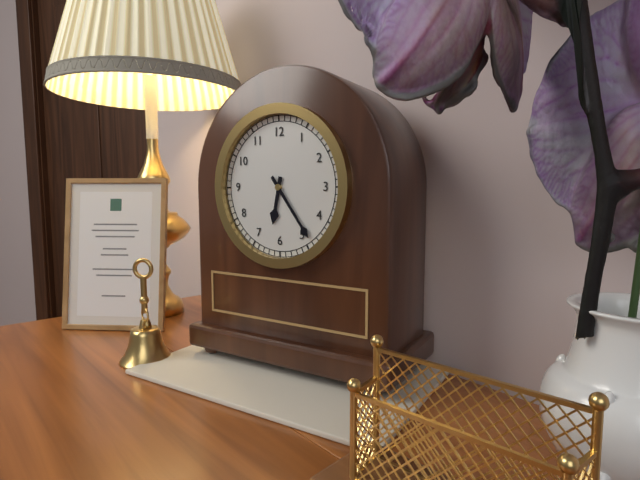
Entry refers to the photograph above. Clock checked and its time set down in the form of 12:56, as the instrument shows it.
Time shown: 6:24
